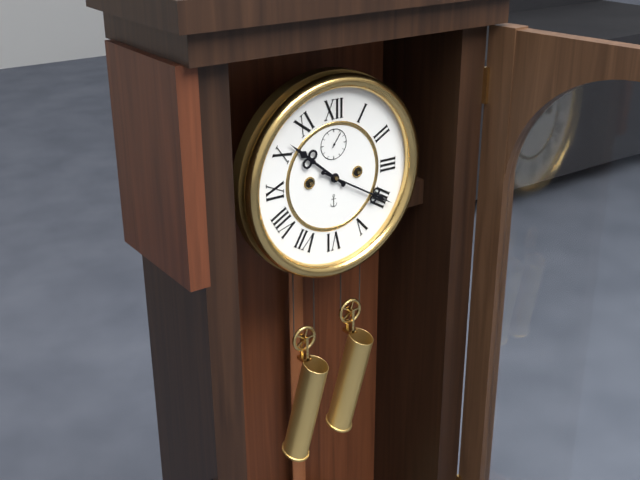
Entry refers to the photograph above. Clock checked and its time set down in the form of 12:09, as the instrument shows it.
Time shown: 10:20
